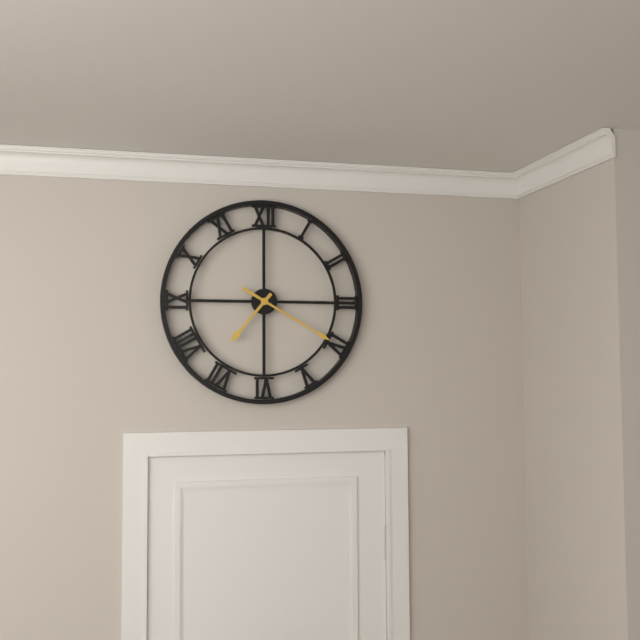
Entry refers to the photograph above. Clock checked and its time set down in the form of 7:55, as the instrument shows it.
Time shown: 7:20
